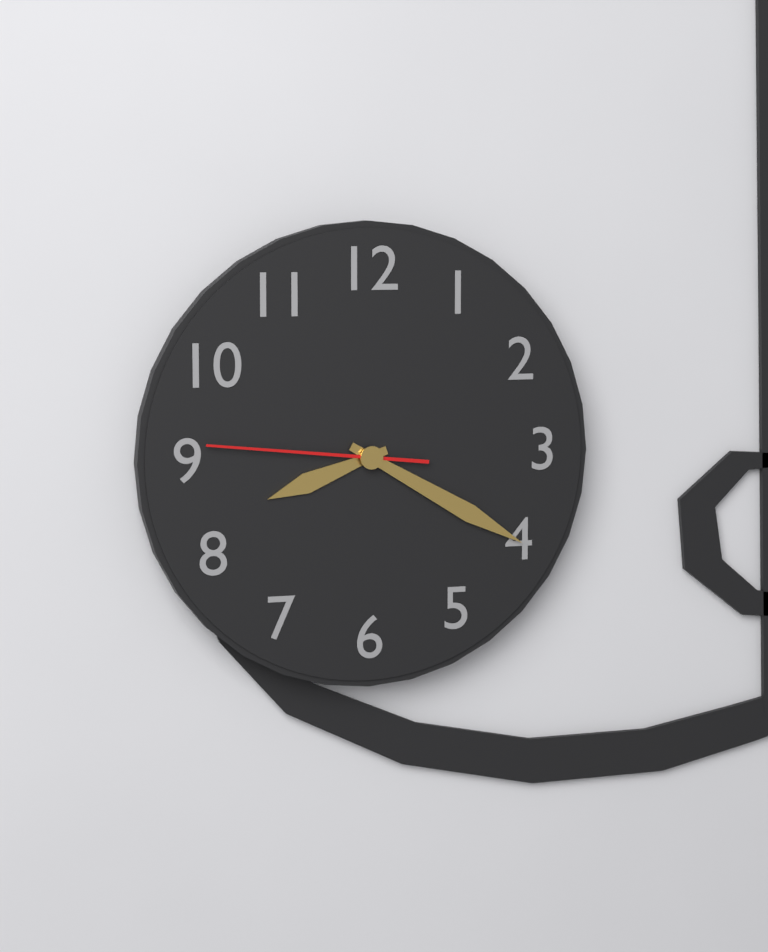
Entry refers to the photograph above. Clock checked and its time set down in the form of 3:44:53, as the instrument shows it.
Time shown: 8:20:46
